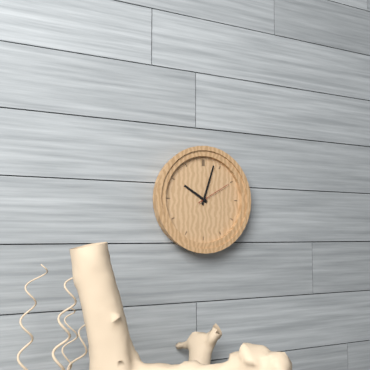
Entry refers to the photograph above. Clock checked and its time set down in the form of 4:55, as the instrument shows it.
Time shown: 10:03
